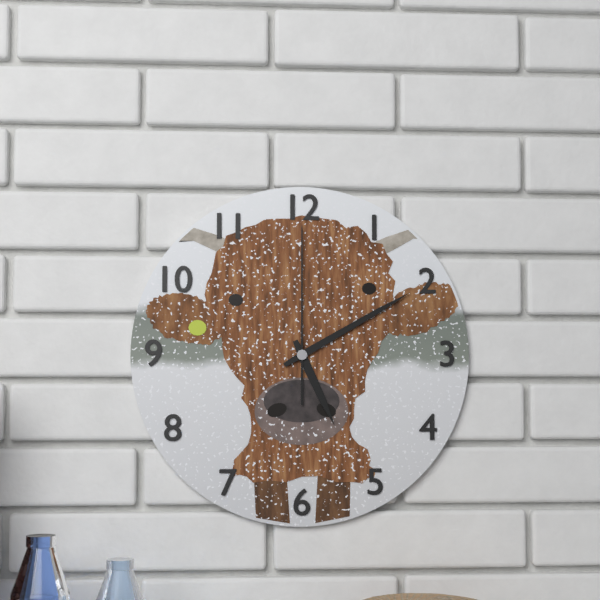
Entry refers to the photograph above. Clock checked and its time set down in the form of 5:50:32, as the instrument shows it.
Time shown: 5:10:00
